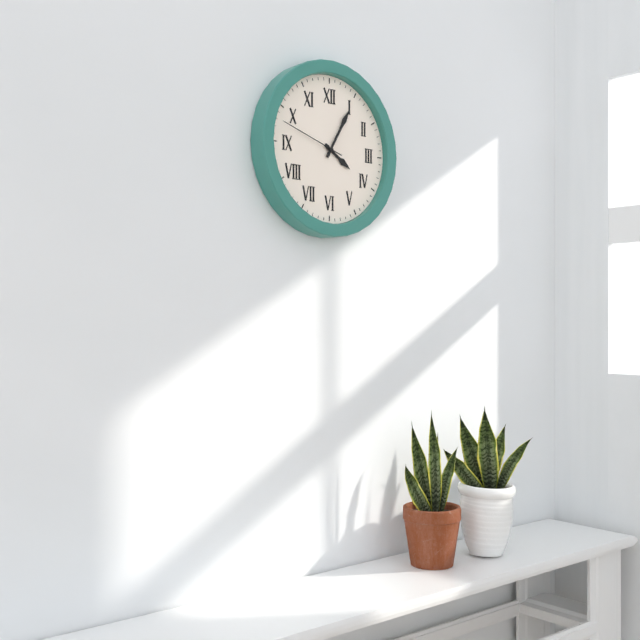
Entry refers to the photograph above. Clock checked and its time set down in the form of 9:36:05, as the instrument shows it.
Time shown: 4:05:48
